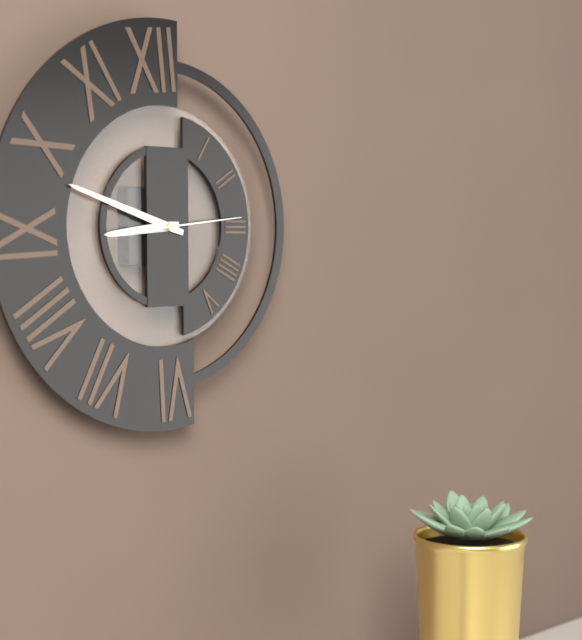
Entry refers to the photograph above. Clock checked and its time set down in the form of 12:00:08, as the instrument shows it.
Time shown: 8:48:14
